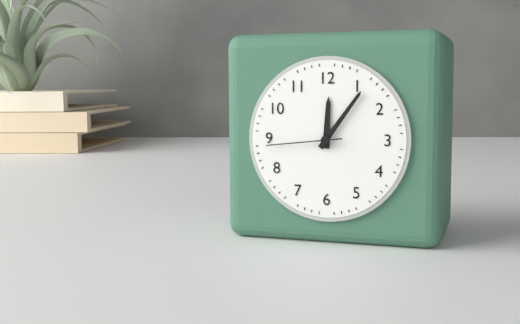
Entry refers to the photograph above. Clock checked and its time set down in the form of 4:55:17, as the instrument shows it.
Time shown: 12:06:44
